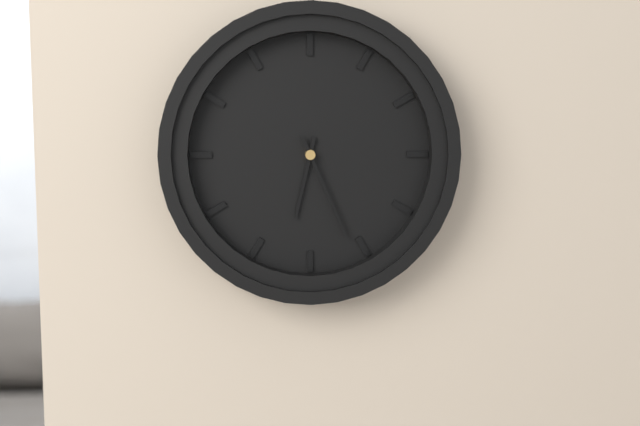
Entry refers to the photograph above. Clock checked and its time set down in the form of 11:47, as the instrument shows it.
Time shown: 6:26
